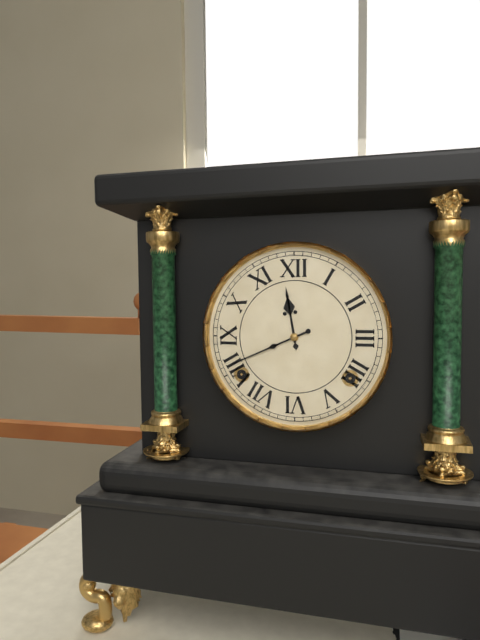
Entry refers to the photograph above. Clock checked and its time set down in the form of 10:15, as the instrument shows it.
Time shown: 11:41
